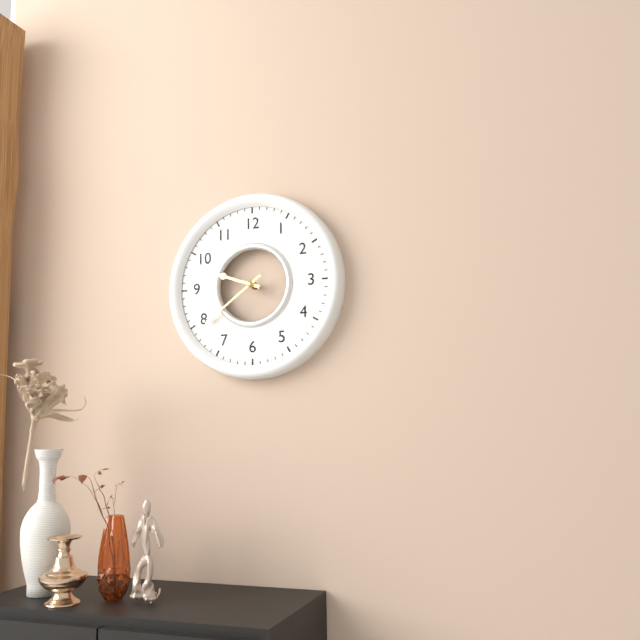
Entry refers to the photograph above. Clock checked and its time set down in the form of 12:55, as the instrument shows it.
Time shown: 9:39
